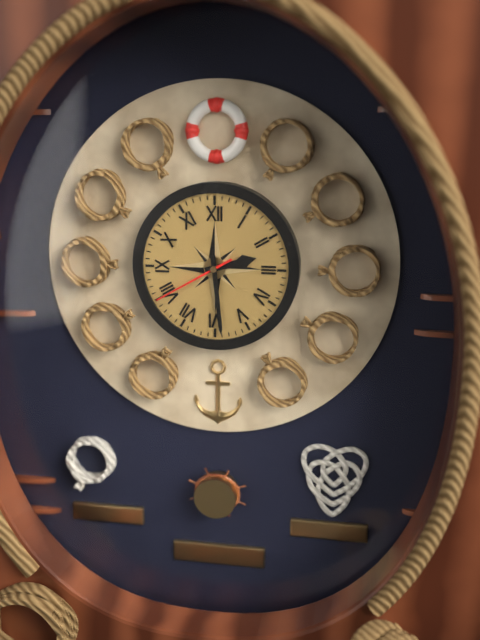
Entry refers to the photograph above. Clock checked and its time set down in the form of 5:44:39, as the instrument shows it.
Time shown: 2:29:40
